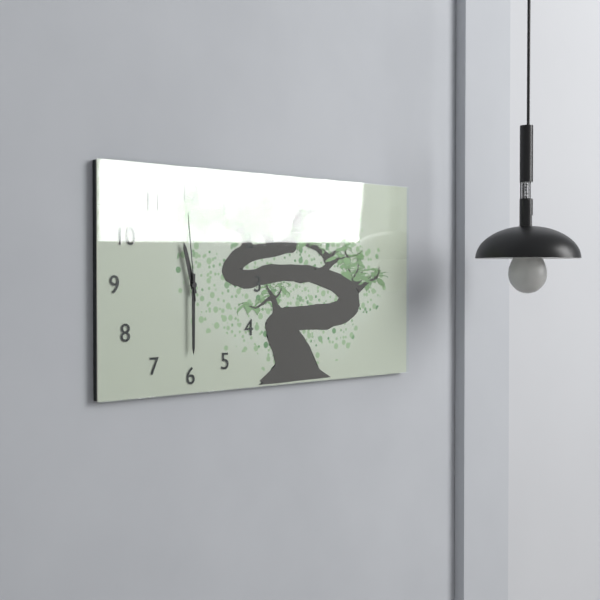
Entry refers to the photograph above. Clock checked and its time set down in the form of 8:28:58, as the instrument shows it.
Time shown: 11:30:59
